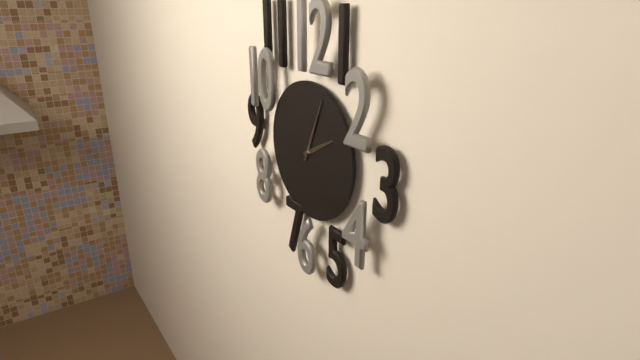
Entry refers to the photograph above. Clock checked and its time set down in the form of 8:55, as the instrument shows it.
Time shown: 2:04
